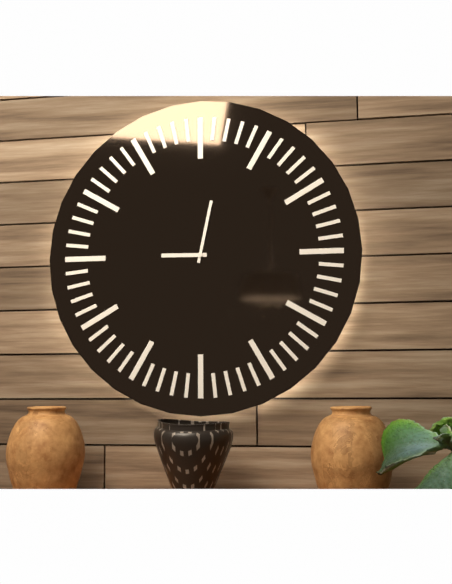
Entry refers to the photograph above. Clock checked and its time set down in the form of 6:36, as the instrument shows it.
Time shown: 9:02
